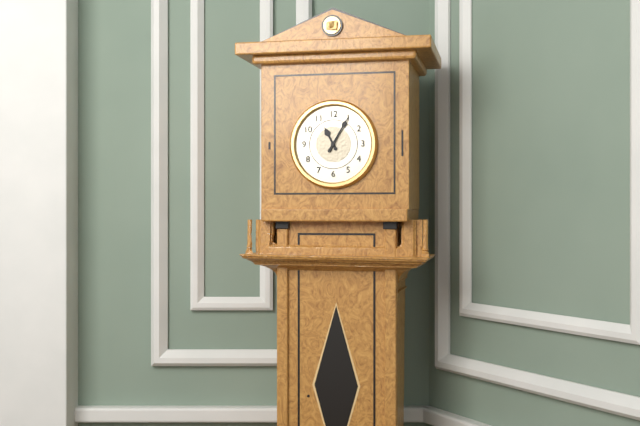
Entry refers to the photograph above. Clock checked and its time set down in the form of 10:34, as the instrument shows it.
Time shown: 11:05
